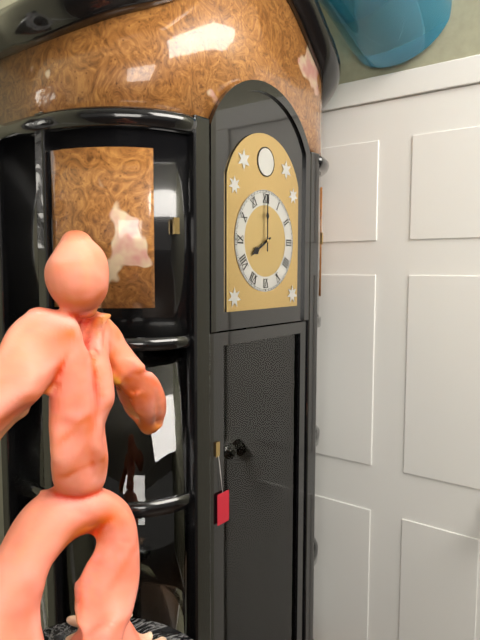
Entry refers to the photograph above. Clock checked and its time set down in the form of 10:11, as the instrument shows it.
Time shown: 8:00
